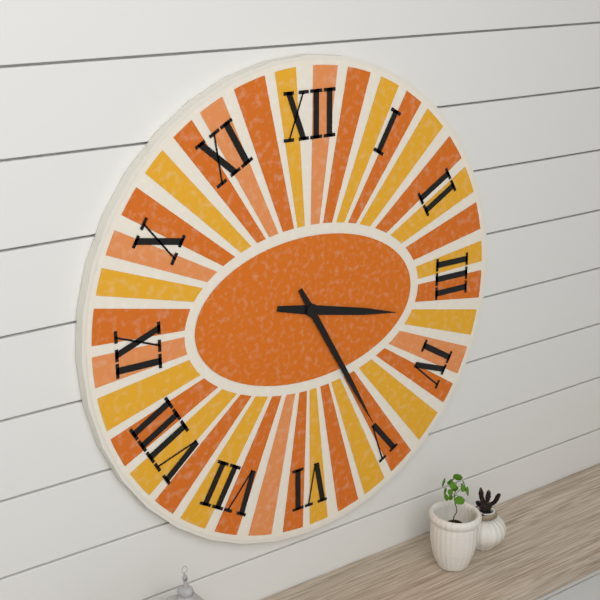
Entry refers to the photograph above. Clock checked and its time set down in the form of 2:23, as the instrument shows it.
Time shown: 3:25
